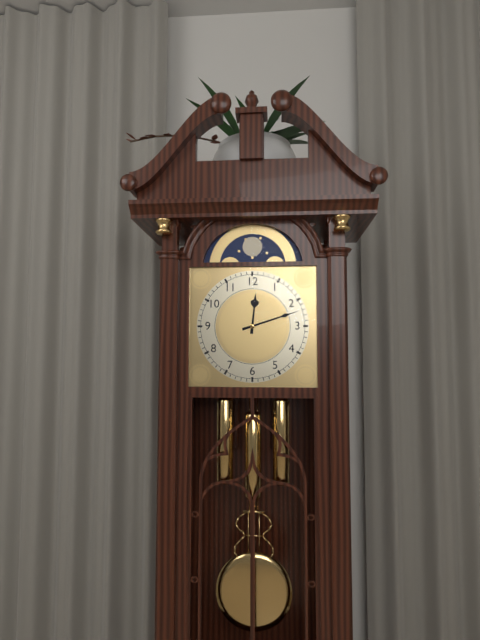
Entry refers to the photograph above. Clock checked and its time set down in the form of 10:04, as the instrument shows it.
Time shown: 12:12
